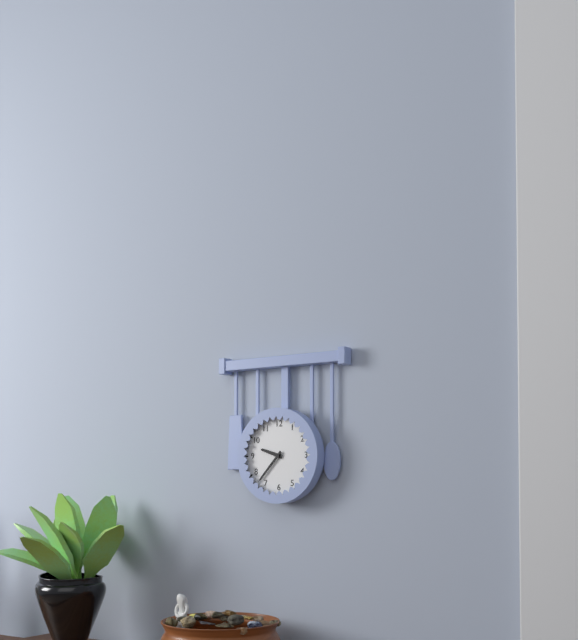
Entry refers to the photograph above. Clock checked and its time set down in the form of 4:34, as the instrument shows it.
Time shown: 9:37
